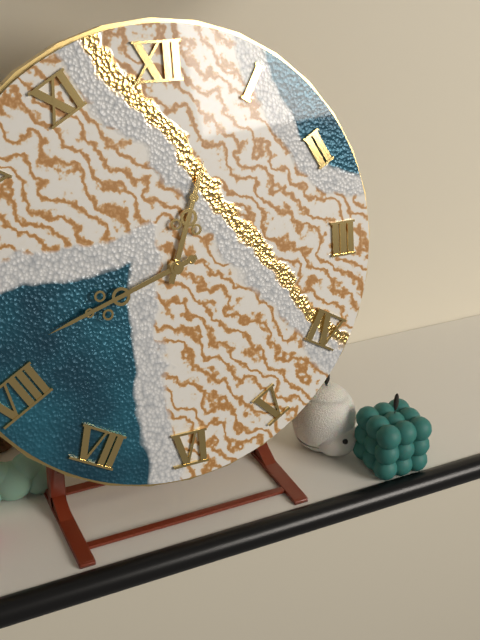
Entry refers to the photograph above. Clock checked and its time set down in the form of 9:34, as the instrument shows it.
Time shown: 12:42
